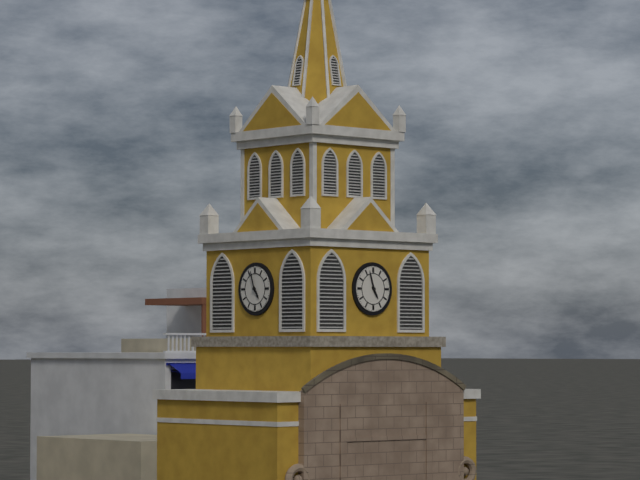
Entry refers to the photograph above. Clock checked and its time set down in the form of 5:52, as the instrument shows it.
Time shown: 4:57
